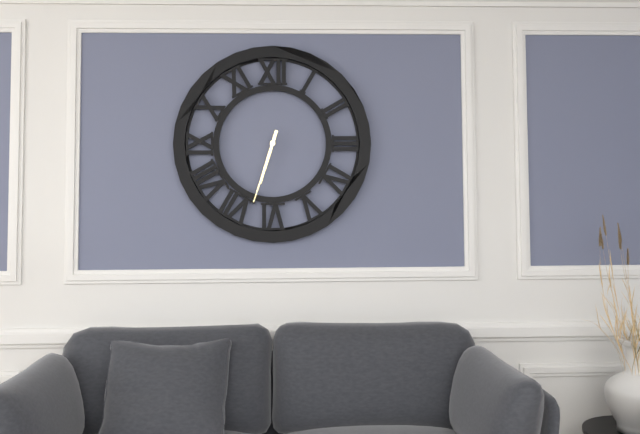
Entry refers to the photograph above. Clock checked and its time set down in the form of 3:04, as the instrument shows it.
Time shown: 6:33
